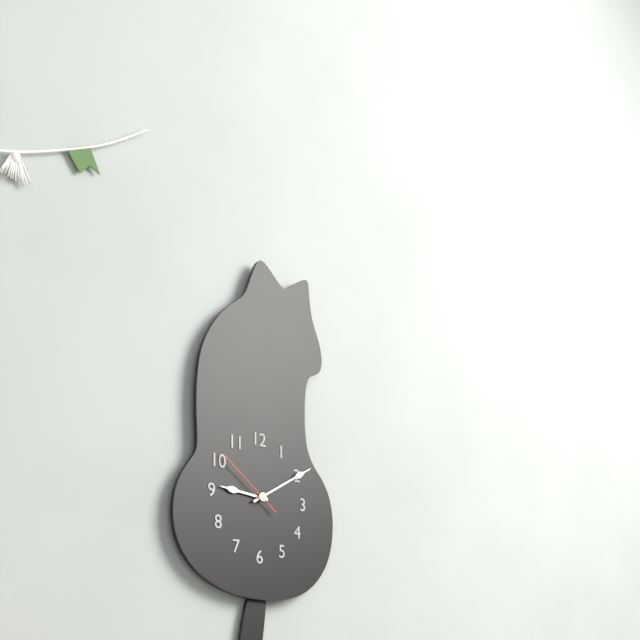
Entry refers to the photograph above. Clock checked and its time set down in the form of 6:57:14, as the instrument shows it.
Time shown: 9:10:51
